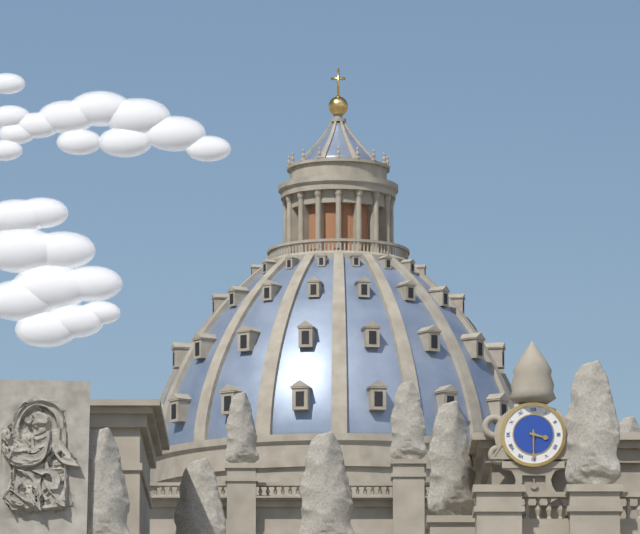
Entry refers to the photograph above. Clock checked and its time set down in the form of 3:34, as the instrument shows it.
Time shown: 3:30
